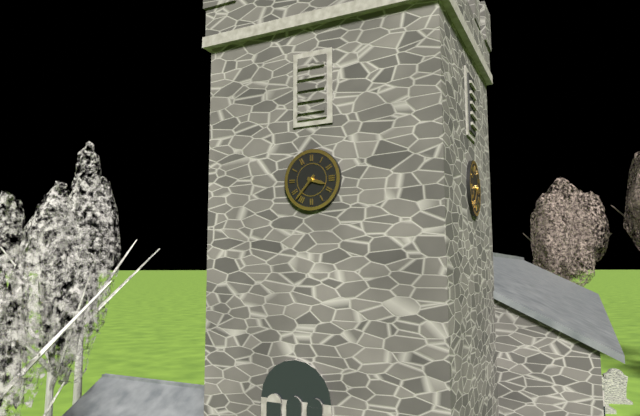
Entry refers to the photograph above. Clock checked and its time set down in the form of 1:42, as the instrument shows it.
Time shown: 3:37
